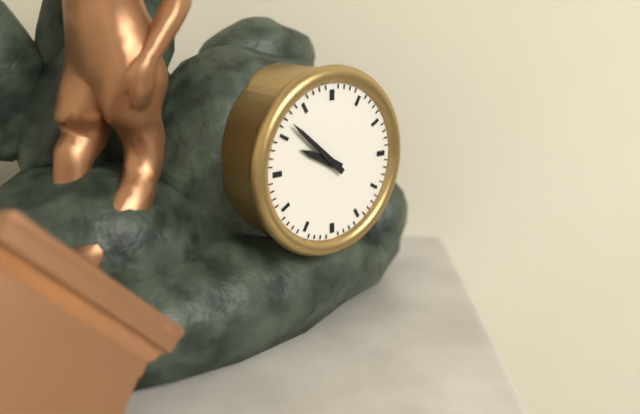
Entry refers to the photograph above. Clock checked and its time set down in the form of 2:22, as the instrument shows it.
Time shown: 9:52
